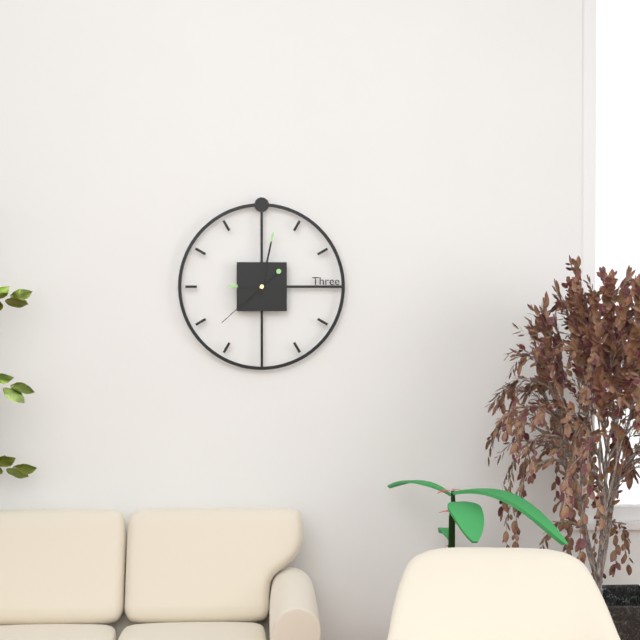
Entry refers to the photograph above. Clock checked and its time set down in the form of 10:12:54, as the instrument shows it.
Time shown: 9:02:38
